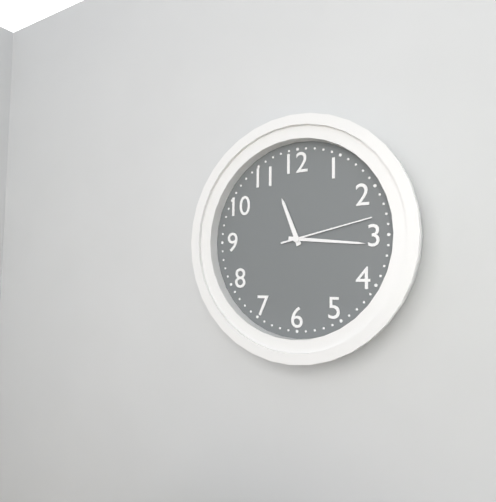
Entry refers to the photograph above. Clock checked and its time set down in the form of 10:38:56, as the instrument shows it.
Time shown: 11:16:13
